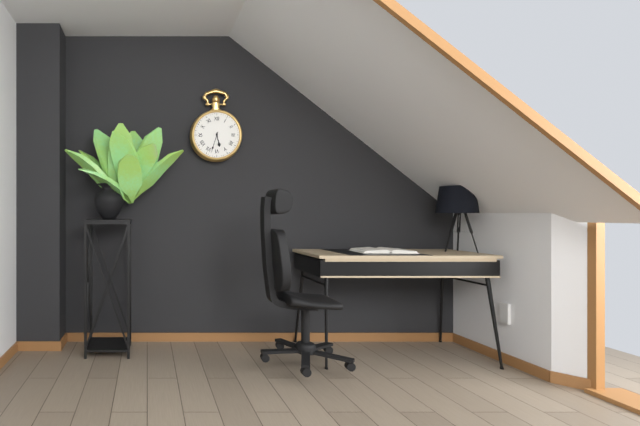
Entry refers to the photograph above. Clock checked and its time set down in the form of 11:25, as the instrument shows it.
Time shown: 5:33
